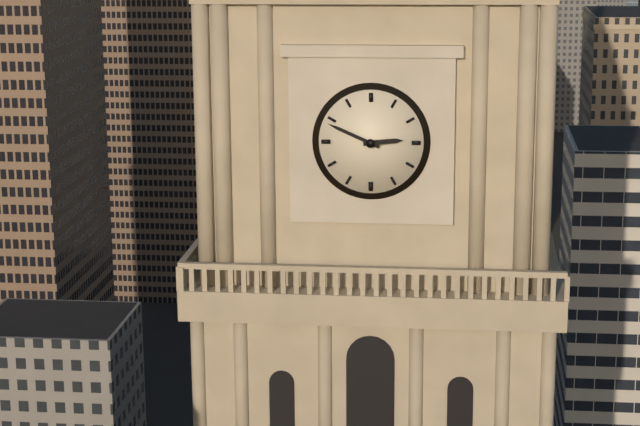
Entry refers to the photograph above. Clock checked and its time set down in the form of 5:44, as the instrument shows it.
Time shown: 2:49
